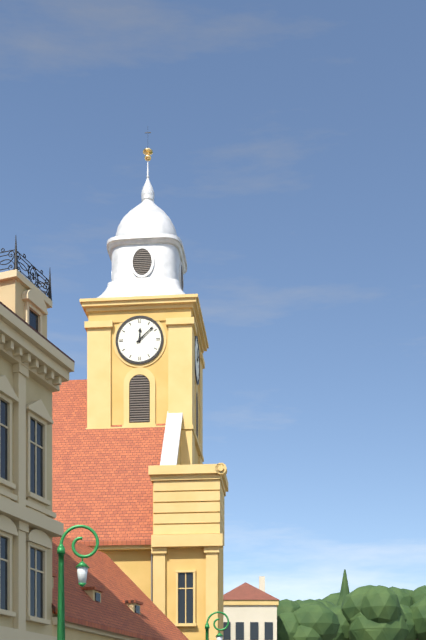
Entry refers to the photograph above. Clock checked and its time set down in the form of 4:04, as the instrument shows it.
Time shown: 12:08
